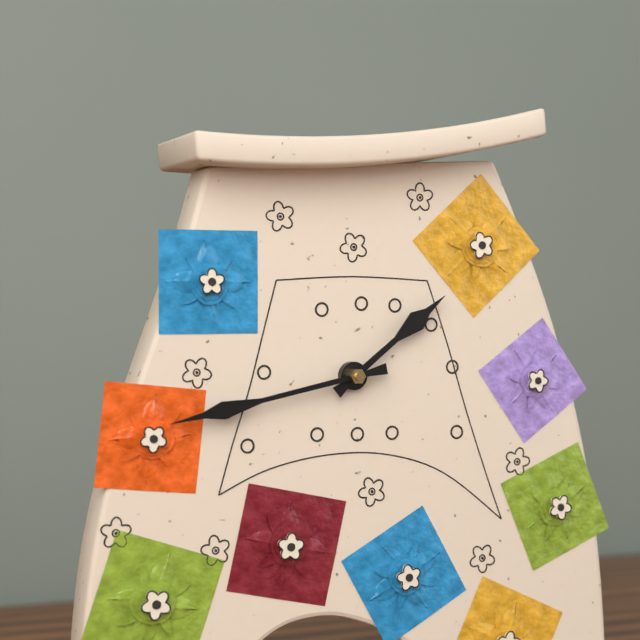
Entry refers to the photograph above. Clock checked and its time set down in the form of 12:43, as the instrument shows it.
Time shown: 1:43
